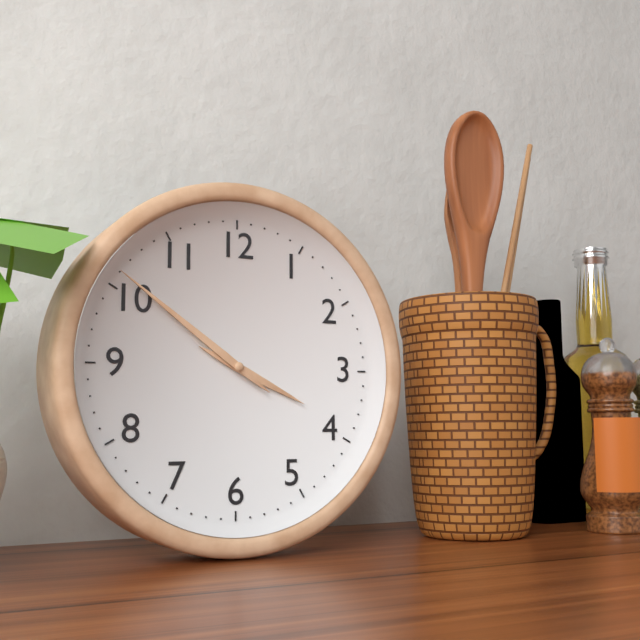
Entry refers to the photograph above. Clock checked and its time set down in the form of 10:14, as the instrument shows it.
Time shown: 3:51
